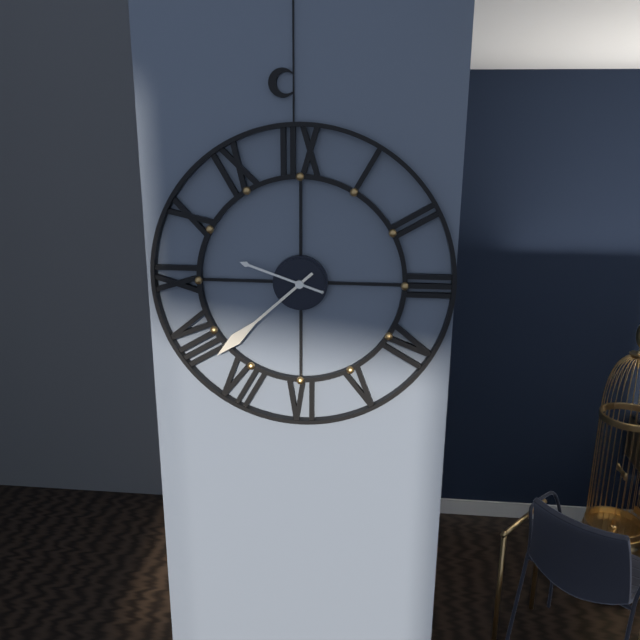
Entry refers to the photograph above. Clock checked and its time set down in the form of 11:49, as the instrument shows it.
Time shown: 9:38
